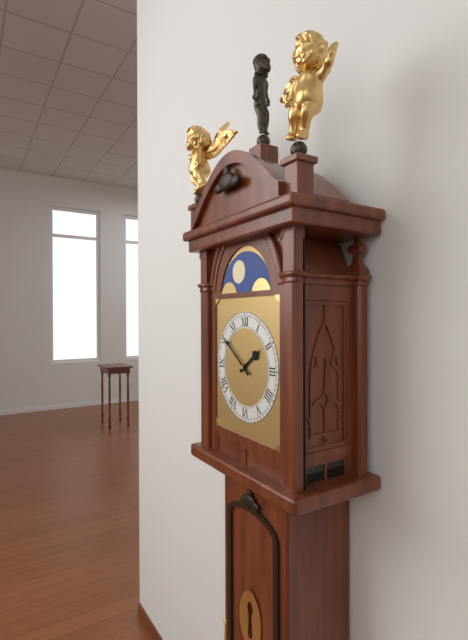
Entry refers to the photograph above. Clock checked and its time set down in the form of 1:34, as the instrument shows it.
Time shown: 1:51
